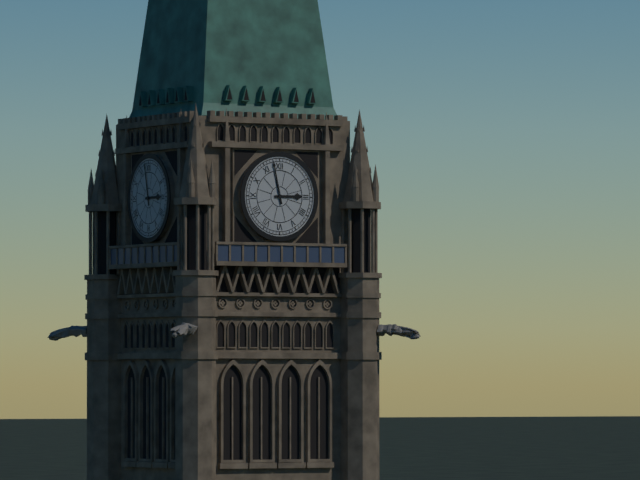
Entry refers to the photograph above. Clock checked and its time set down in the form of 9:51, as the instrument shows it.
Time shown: 2:58
